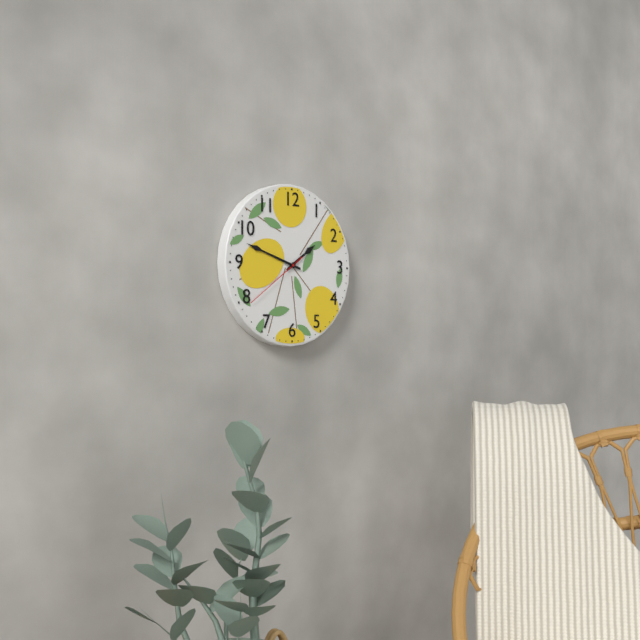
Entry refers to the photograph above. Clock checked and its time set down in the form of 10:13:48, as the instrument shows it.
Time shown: 1:48:39
